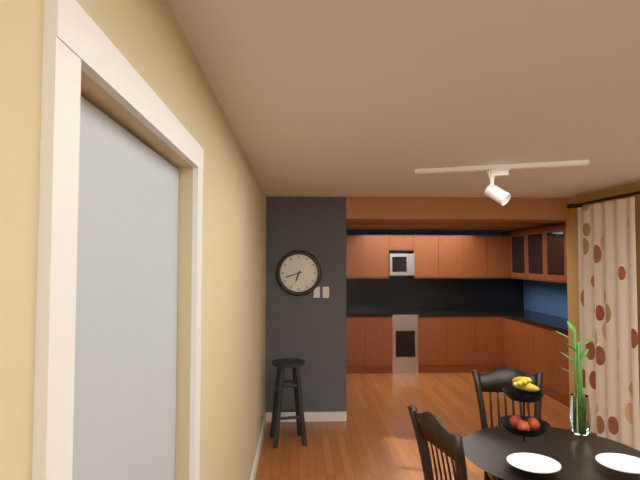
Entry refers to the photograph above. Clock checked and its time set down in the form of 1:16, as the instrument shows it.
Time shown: 6:42
